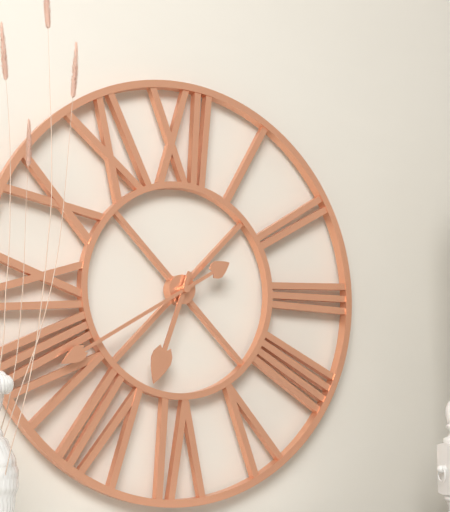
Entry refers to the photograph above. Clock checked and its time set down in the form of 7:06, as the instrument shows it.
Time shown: 6:40
